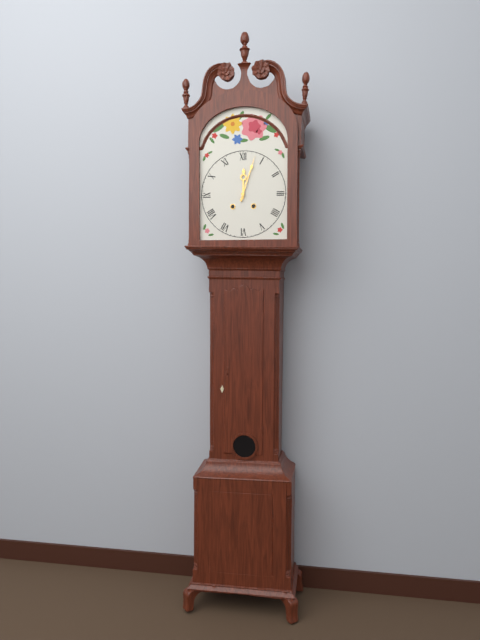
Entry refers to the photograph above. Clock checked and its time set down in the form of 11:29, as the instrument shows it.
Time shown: 12:03
